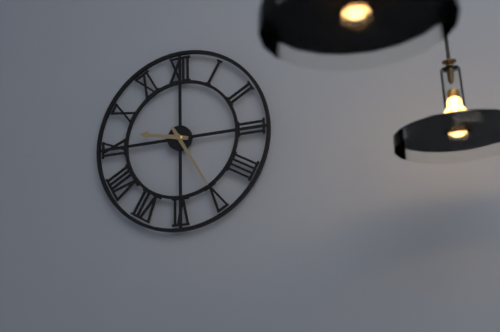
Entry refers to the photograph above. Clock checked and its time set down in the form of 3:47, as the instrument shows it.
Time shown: 9:25
